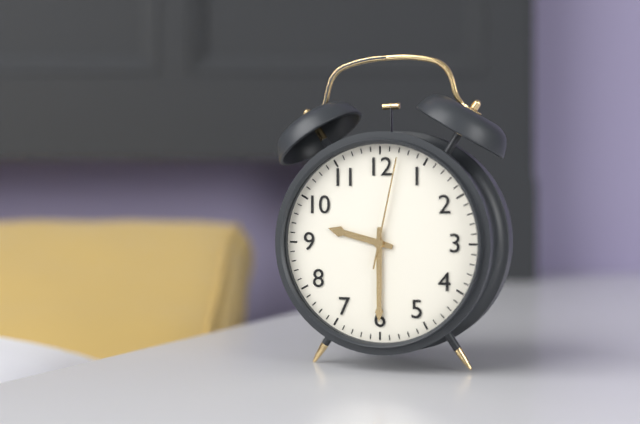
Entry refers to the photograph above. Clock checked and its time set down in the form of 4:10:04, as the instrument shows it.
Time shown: 9:30:02
